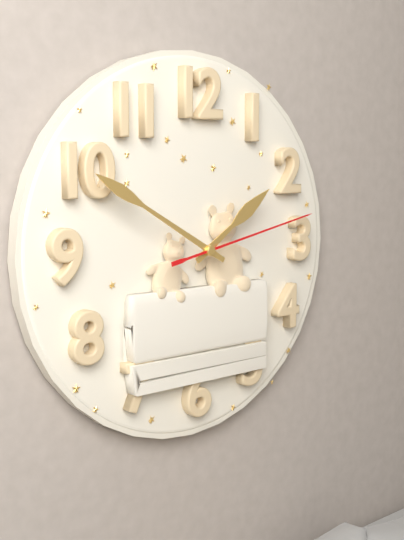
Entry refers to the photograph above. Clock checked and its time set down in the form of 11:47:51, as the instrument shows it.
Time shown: 1:50:13
